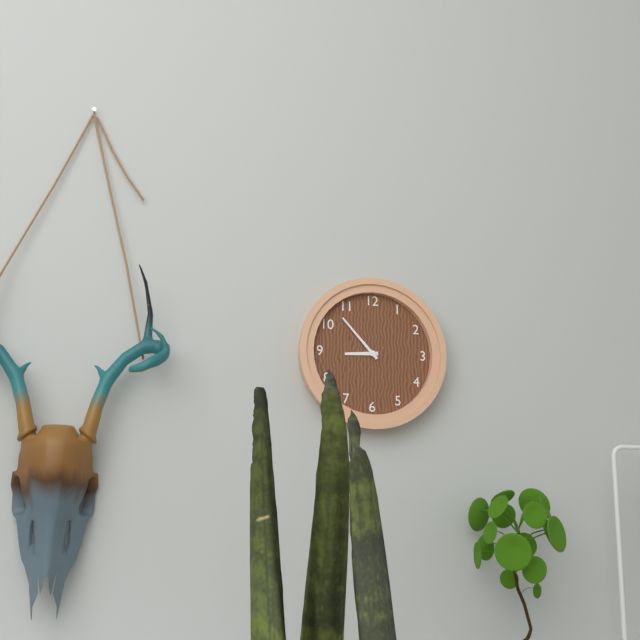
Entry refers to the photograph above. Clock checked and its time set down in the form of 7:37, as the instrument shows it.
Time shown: 8:53
